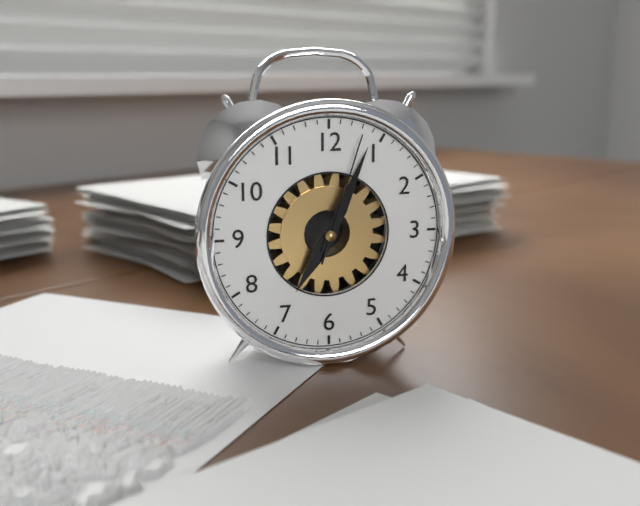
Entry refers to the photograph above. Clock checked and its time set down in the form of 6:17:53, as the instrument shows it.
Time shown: 7:04:03
